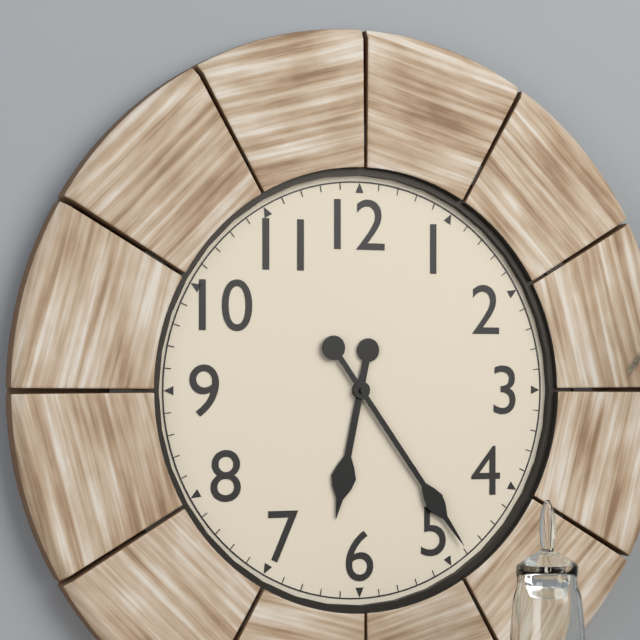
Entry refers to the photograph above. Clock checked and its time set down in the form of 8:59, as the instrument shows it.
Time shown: 6:24
